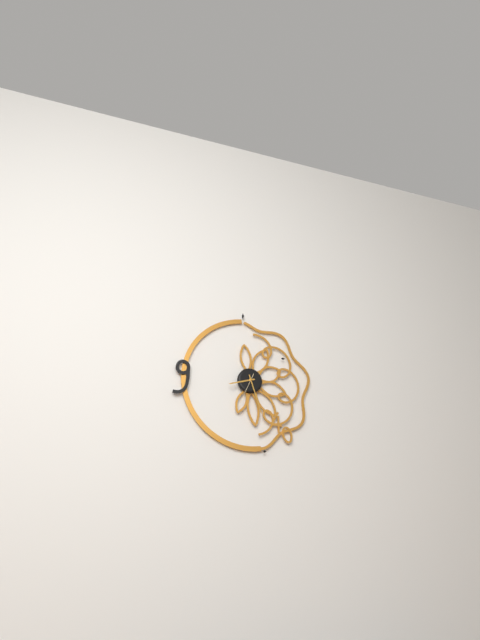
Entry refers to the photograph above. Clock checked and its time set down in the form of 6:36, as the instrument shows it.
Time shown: 8:27
